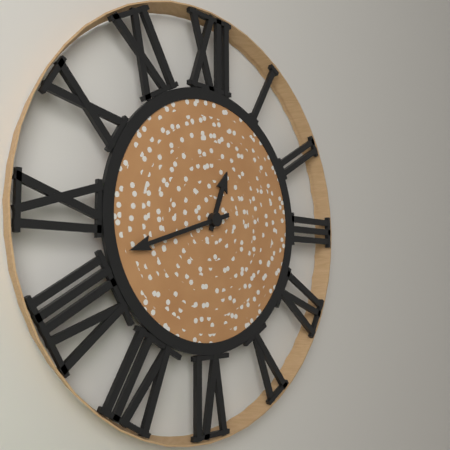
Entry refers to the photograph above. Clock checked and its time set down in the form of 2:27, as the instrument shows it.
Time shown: 12:42
